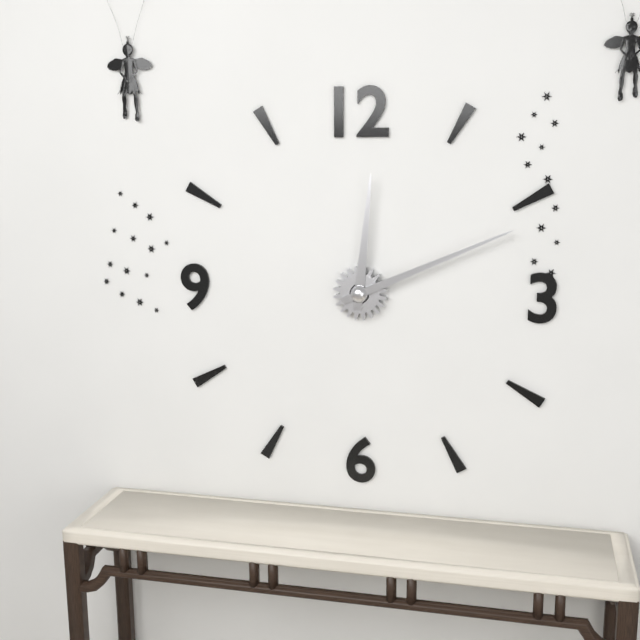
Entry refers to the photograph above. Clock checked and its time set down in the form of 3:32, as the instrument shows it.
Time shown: 12:11
